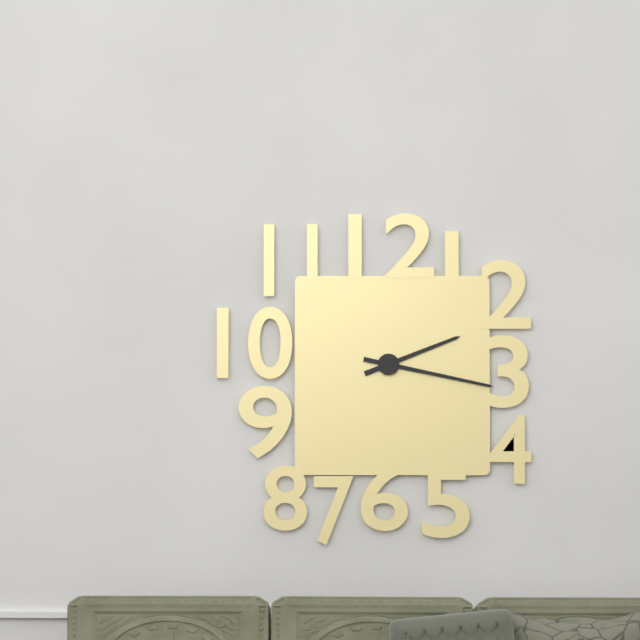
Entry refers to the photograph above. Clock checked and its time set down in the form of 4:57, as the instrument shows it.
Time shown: 2:17
